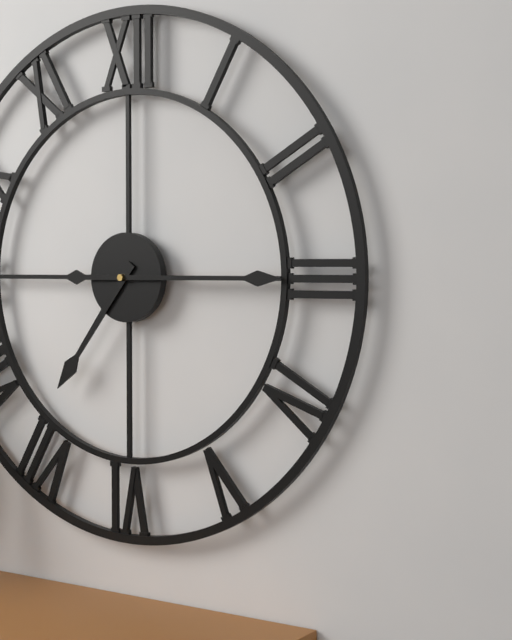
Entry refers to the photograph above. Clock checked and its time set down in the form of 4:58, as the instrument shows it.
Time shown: 7:15
